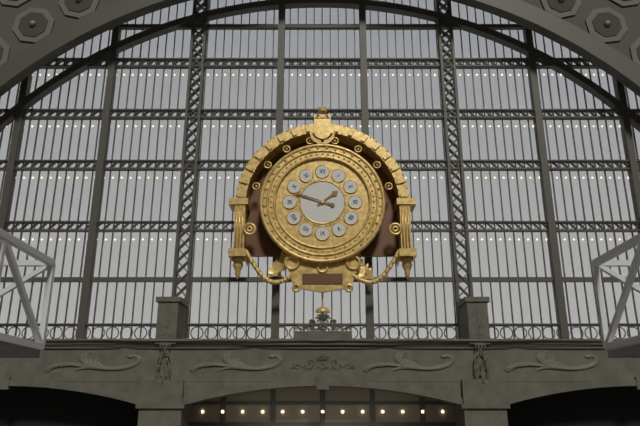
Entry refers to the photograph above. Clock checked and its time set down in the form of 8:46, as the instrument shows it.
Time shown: 1:48
